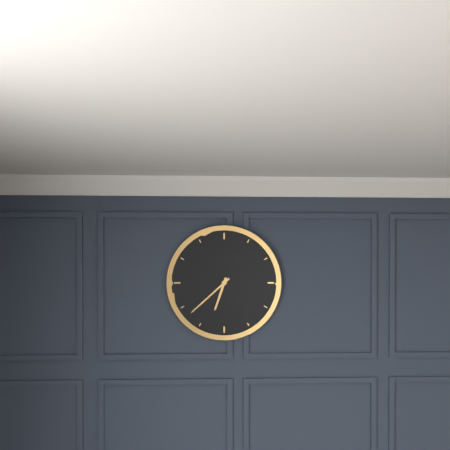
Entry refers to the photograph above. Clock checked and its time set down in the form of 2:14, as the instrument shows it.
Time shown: 6:38
